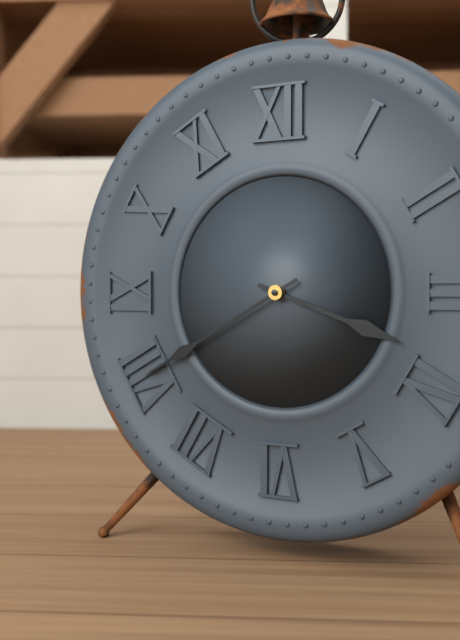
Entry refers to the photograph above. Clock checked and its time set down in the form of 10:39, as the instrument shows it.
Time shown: 3:40
